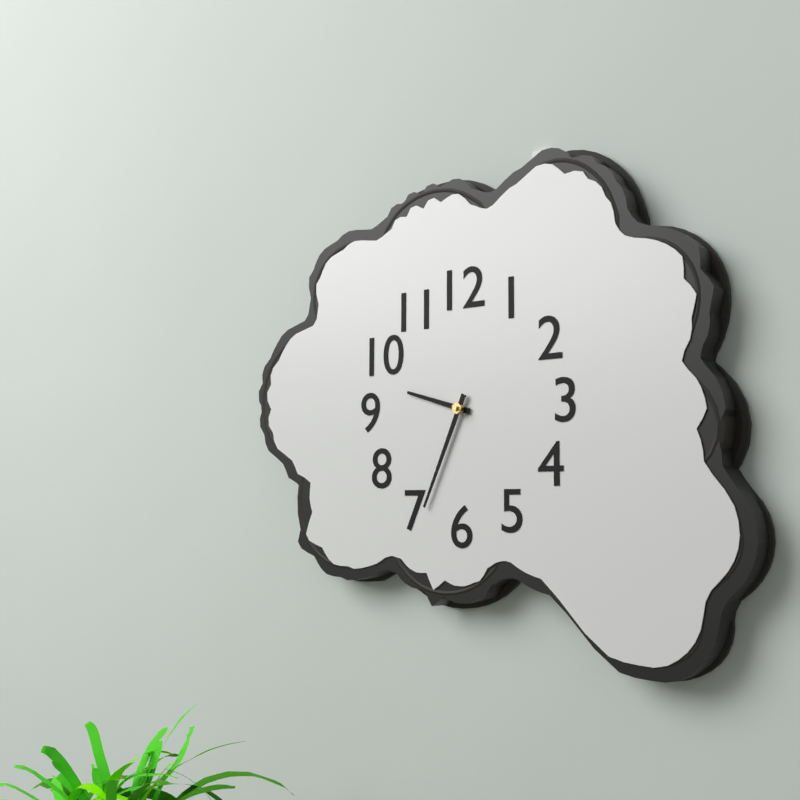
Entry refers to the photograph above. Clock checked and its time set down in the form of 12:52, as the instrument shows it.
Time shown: 9:34
